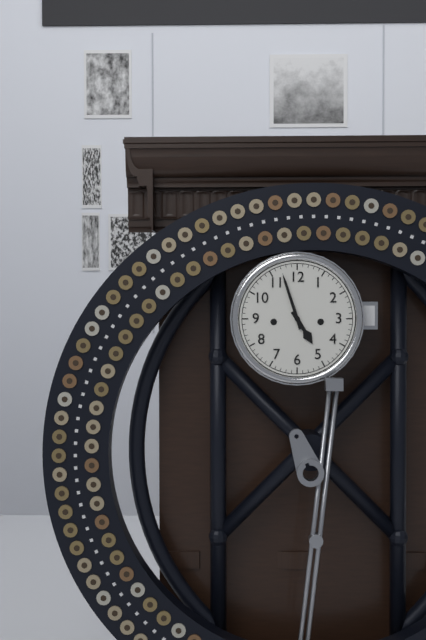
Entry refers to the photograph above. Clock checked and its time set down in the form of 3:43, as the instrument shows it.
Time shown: 4:57
